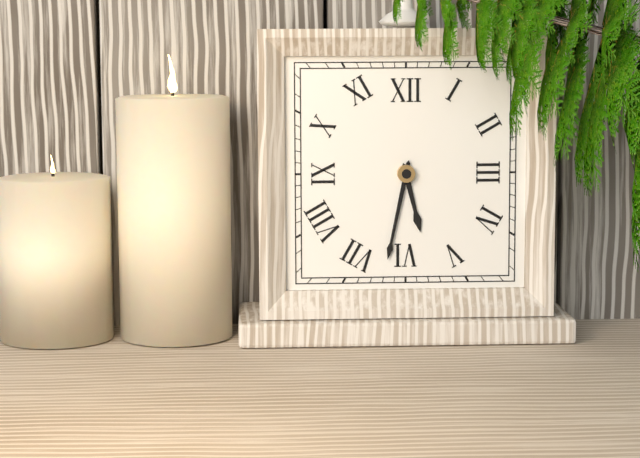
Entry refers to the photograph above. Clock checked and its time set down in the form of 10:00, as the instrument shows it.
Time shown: 5:32
